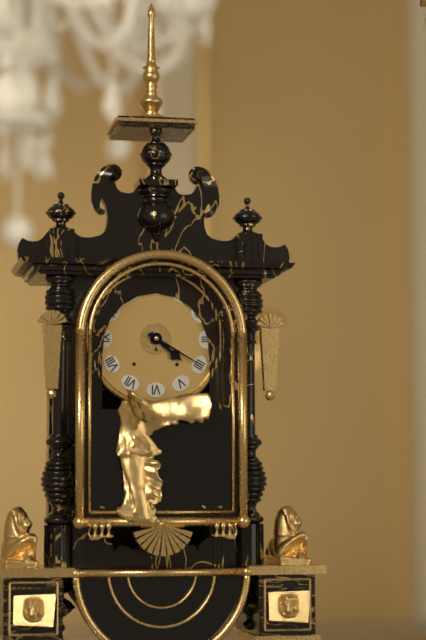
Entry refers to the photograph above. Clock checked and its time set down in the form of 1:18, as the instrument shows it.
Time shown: 4:20
